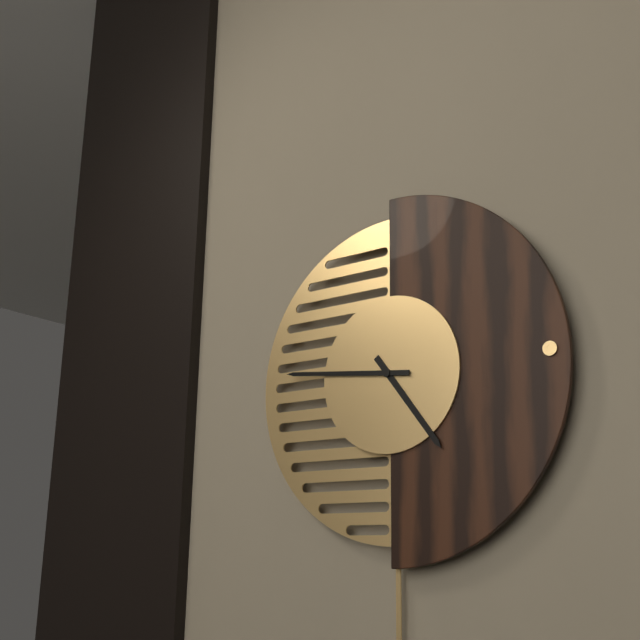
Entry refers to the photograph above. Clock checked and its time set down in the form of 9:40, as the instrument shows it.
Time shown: 4:46
